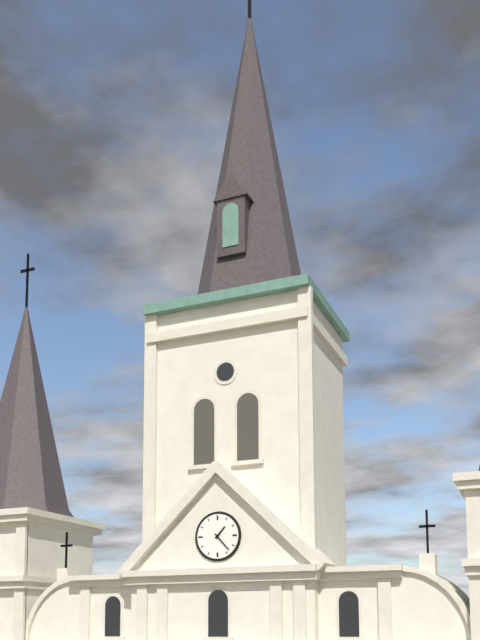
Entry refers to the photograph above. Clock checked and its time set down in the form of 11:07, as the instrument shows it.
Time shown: 1:23
